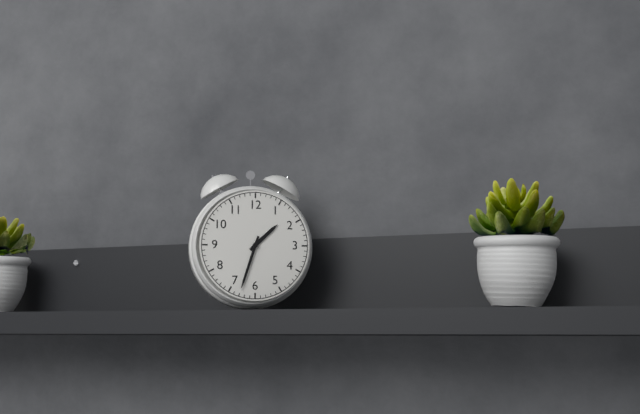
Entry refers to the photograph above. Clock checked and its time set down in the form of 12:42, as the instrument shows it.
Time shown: 1:33
